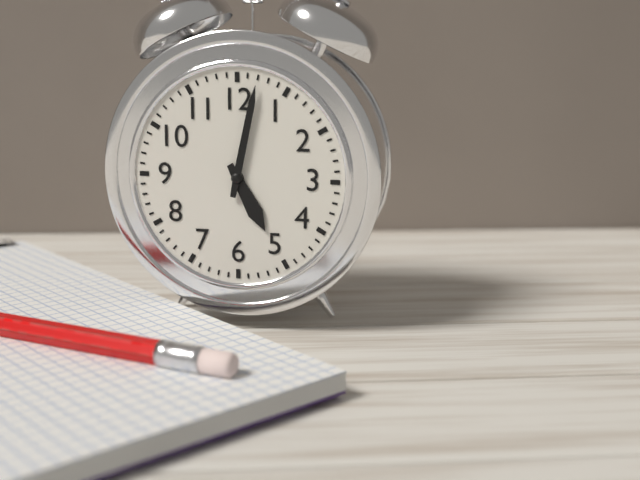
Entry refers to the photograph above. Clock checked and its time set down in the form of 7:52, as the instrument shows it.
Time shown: 5:02
